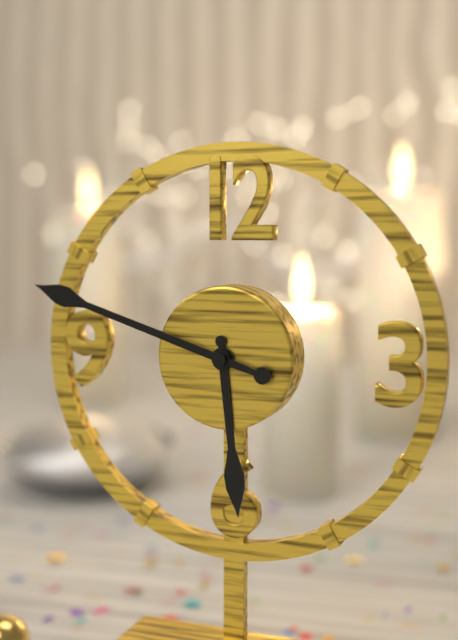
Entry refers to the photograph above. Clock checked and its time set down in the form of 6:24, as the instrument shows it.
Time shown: 5:48
